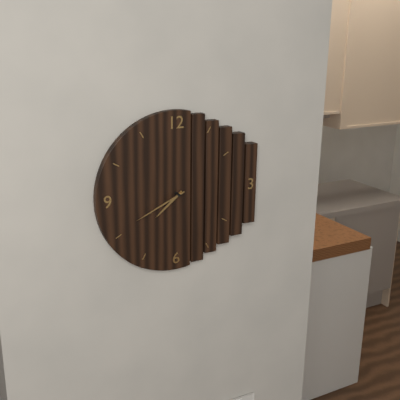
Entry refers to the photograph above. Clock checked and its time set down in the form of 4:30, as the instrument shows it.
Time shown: 7:41
